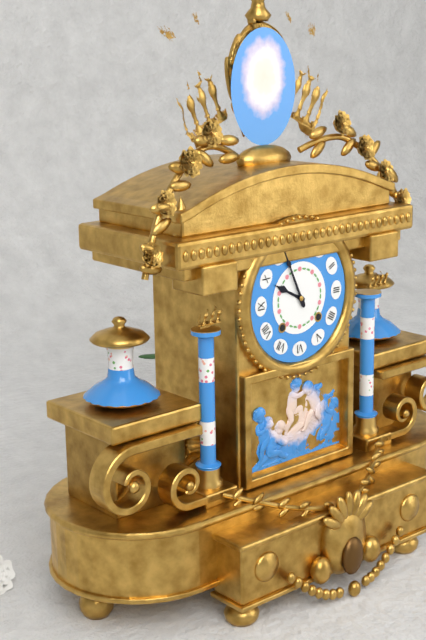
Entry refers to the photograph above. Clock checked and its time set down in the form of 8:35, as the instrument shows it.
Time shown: 9:56
